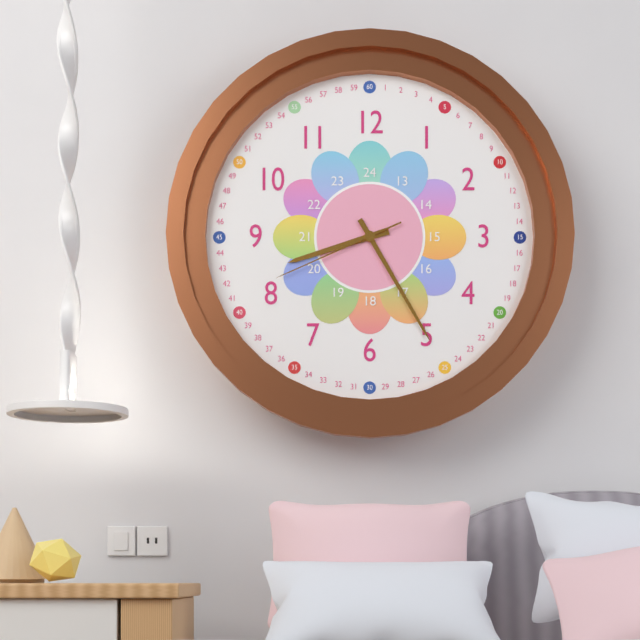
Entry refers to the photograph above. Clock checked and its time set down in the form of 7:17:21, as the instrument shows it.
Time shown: 8:25:41
